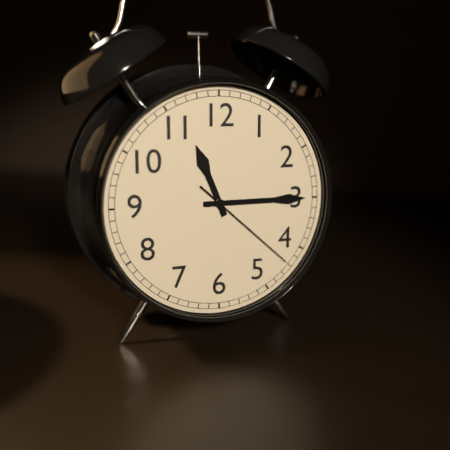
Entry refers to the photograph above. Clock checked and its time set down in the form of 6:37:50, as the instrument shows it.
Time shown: 11:15:22
